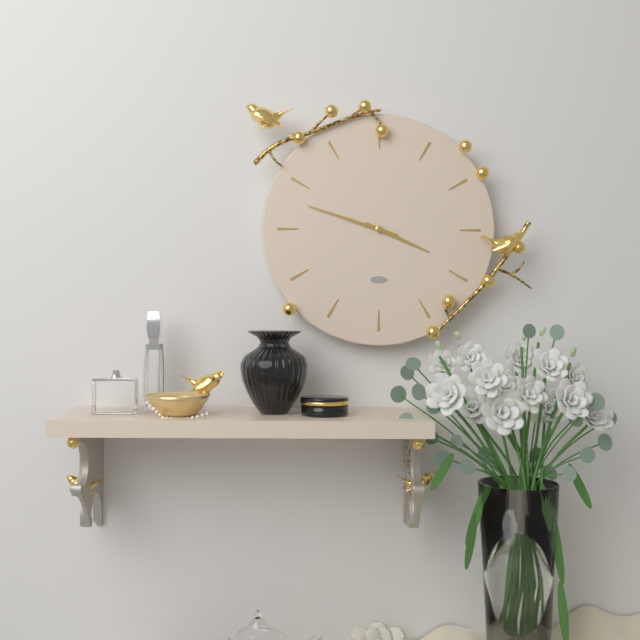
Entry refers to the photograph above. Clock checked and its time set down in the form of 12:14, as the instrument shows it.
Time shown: 3:48
